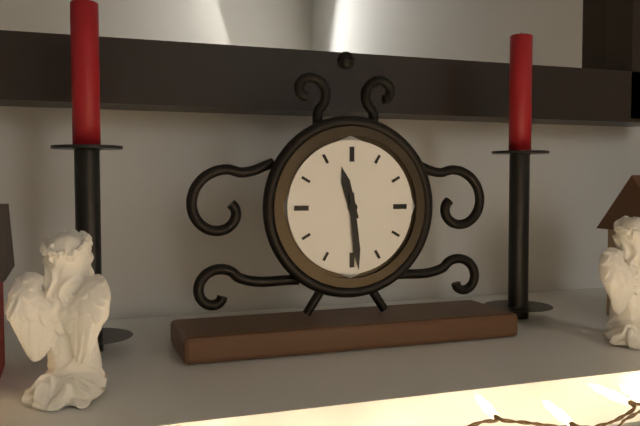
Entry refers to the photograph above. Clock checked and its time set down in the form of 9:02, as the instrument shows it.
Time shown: 11:29
